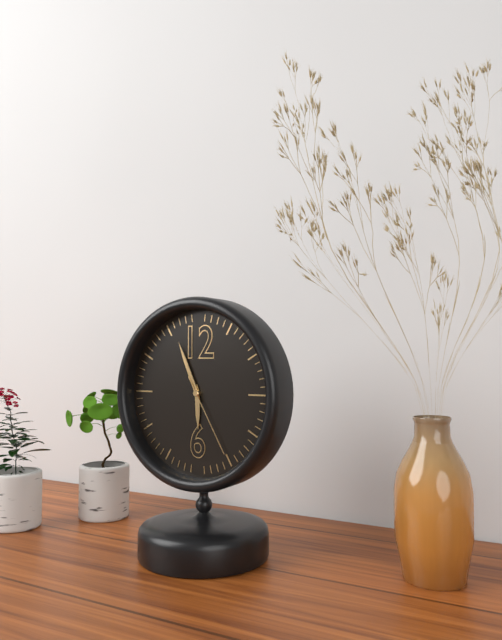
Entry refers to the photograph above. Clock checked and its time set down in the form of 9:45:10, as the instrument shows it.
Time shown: 5:56:25
